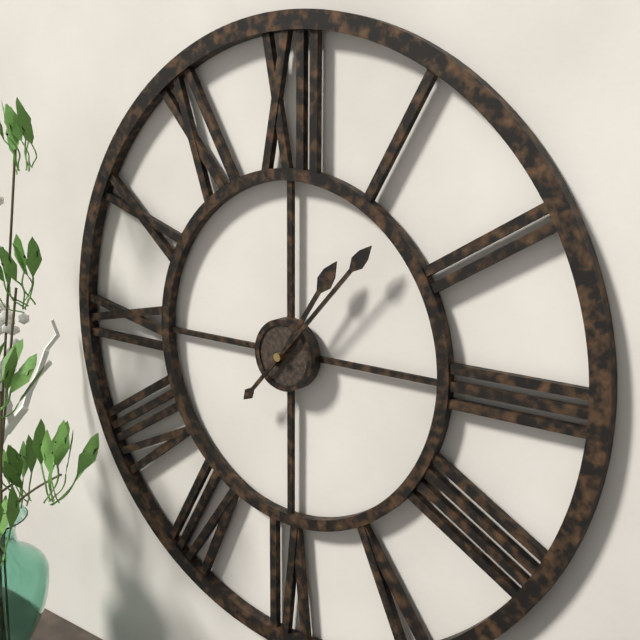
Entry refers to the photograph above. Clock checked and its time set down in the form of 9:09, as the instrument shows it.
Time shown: 1:07
